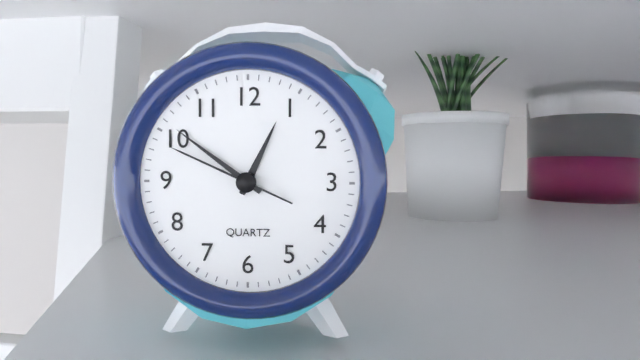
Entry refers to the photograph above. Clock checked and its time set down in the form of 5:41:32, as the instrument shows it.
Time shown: 12:51:49
